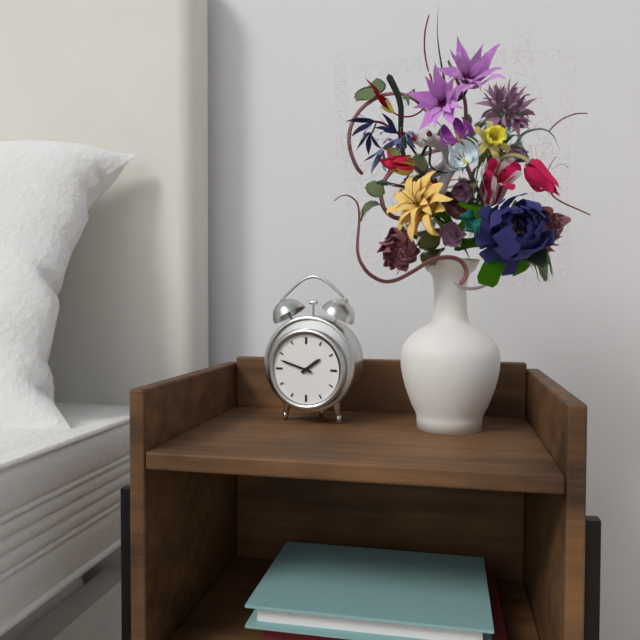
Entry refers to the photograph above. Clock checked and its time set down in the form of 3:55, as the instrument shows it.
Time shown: 1:48
